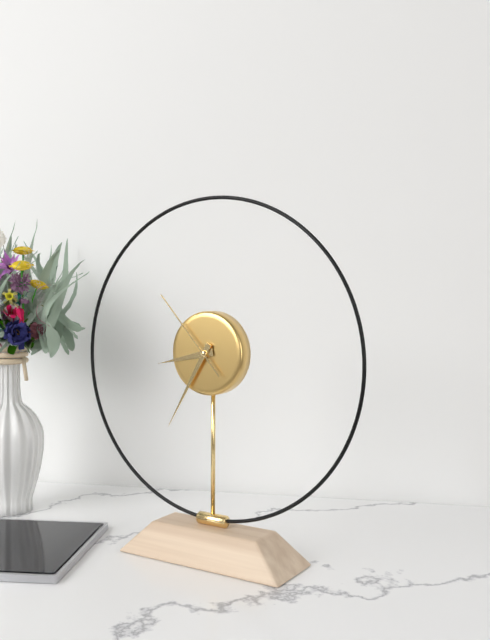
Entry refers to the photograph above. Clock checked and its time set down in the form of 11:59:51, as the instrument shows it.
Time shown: 8:35:53
